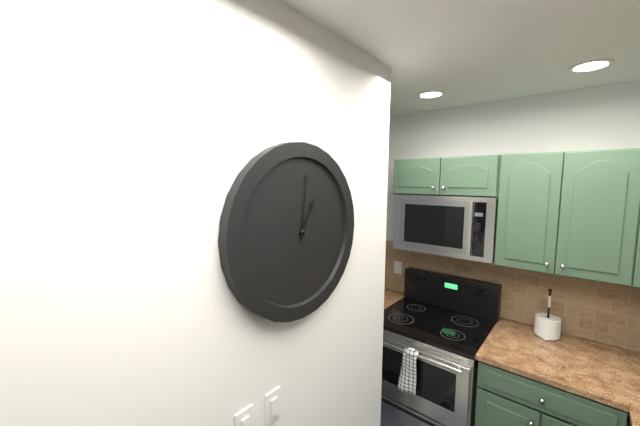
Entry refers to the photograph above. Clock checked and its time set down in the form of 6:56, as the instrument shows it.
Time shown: 1:01
